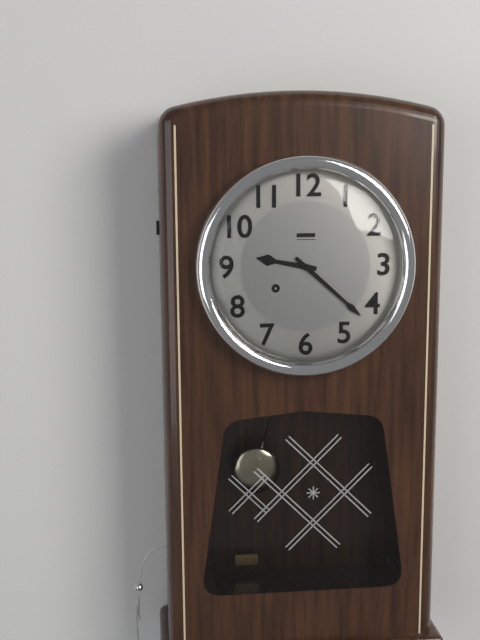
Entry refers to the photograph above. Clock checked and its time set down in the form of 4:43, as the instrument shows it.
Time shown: 9:22
